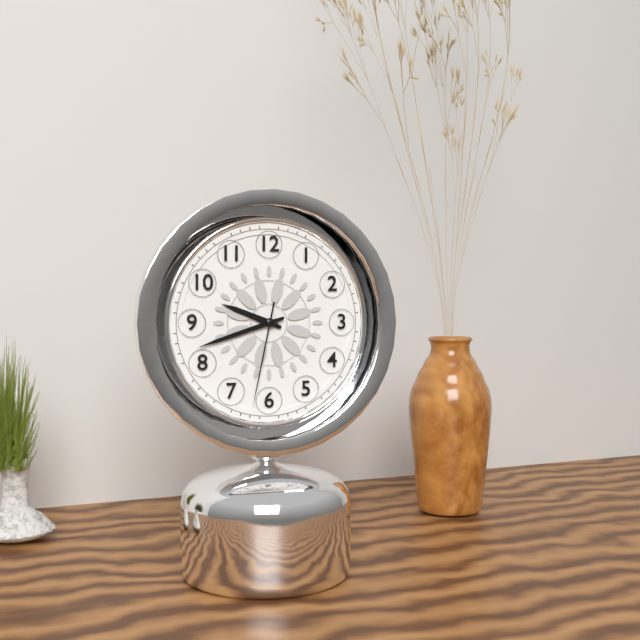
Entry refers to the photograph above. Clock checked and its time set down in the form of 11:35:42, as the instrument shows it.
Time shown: 9:42:32
